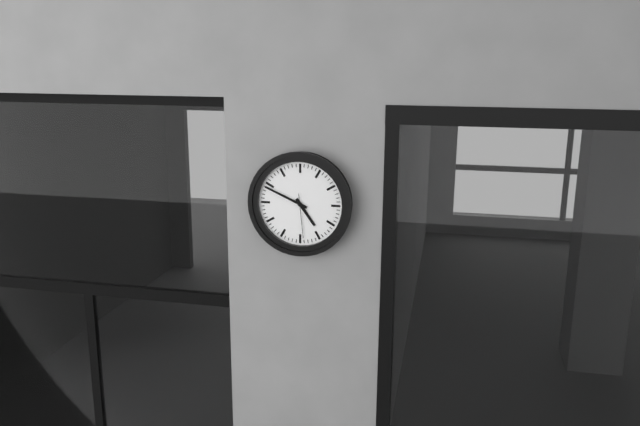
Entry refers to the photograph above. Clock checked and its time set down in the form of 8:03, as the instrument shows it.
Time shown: 4:49
